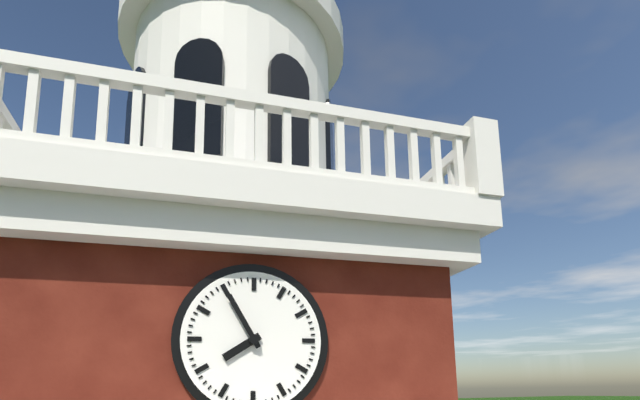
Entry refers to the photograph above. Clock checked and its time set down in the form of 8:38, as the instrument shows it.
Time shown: 7:55
